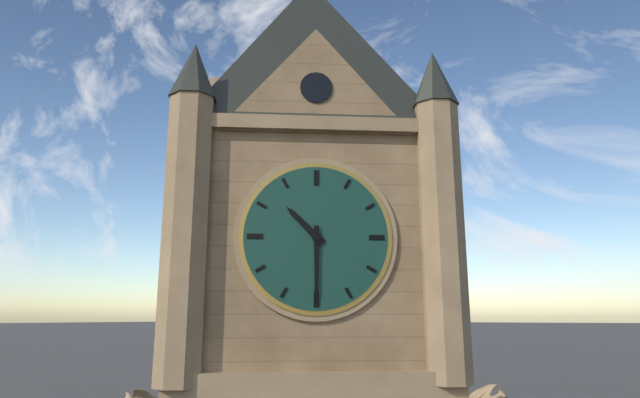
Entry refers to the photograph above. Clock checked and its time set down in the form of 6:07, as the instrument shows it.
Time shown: 10:30
